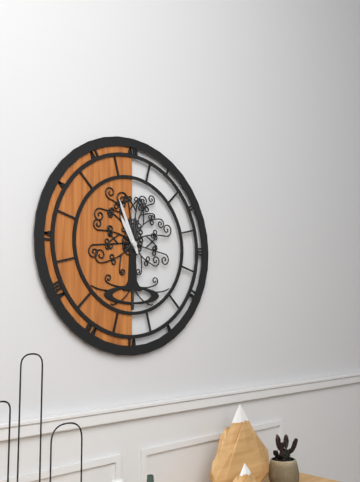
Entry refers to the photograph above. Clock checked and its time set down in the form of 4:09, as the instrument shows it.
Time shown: 10:56
